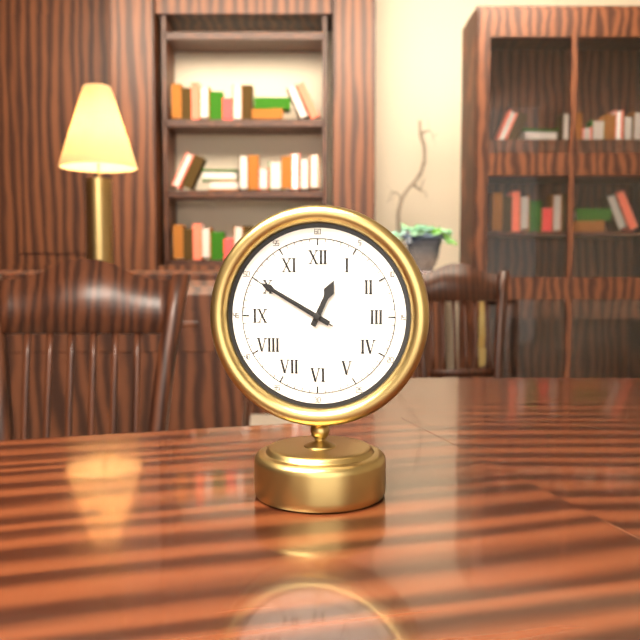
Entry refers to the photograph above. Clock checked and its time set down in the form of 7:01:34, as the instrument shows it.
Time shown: 12:50:50
